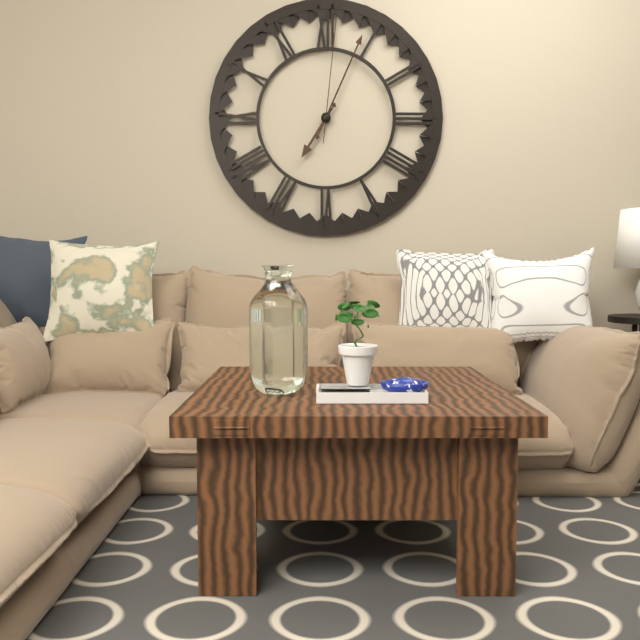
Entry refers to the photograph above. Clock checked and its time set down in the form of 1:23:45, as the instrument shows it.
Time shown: 7:04:01
